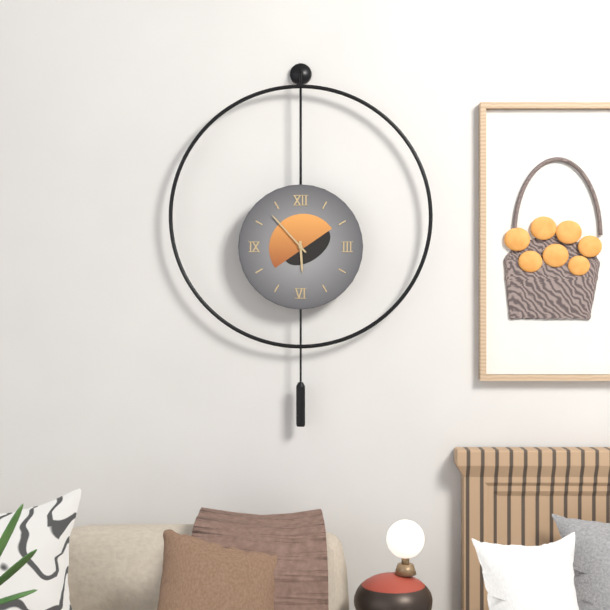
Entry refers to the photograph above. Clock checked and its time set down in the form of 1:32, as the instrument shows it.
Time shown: 5:53
